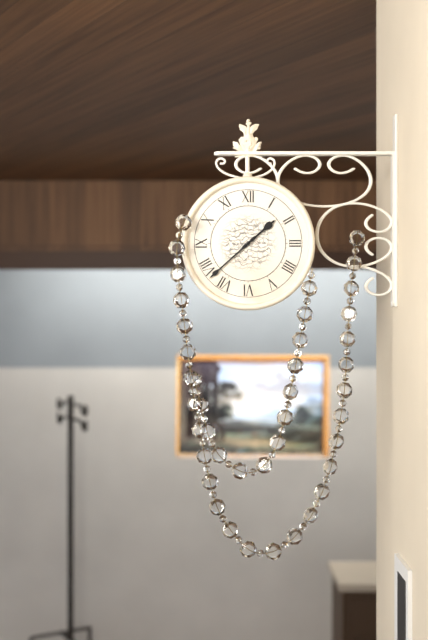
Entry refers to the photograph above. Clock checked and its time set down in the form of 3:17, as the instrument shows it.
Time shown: 1:38
